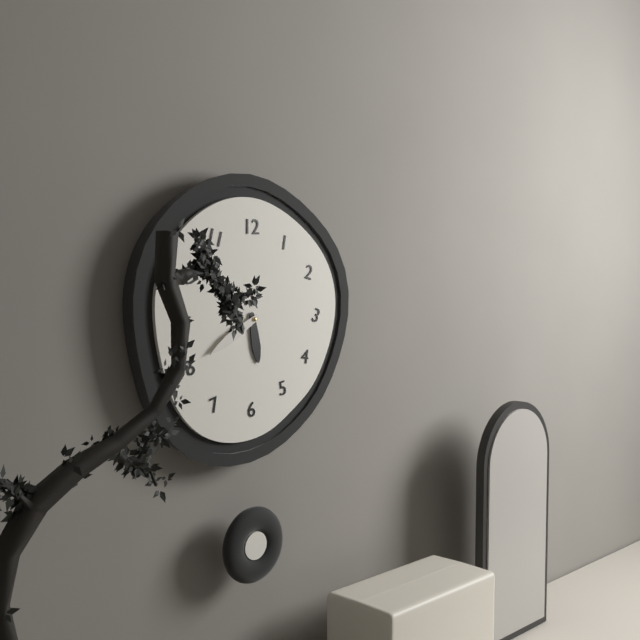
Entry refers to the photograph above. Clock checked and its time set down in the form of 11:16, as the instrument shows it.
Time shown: 5:40
